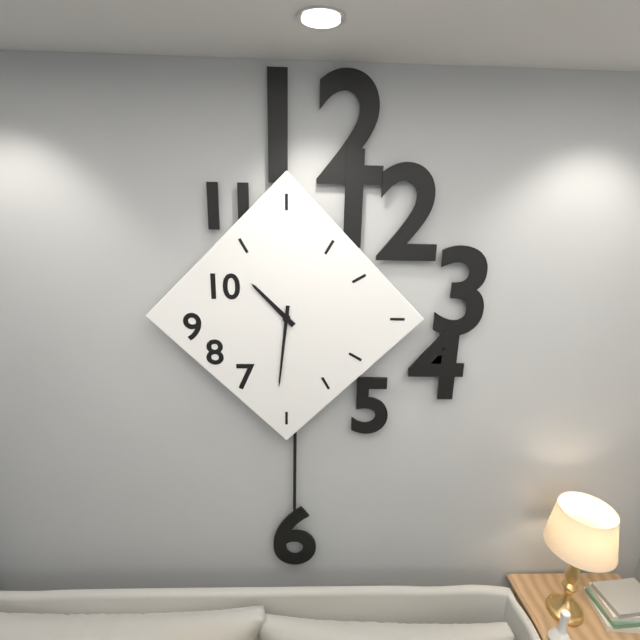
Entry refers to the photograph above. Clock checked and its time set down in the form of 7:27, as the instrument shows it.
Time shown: 10:31
